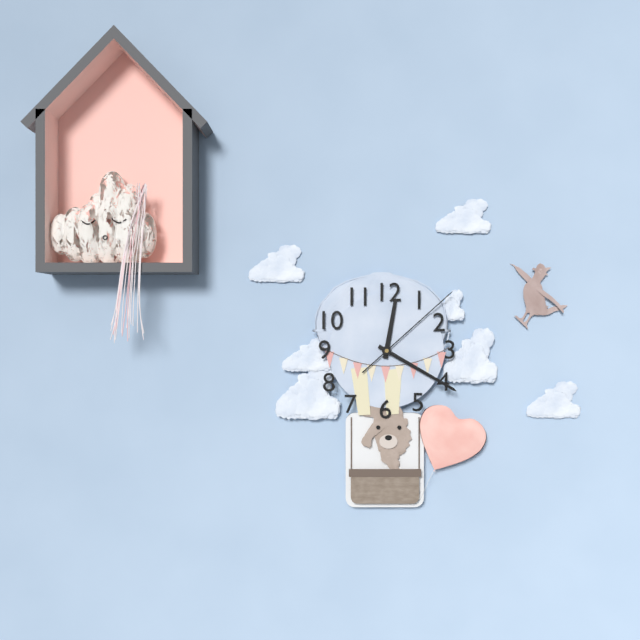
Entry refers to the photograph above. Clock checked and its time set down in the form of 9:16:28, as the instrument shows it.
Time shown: 12:20:08
